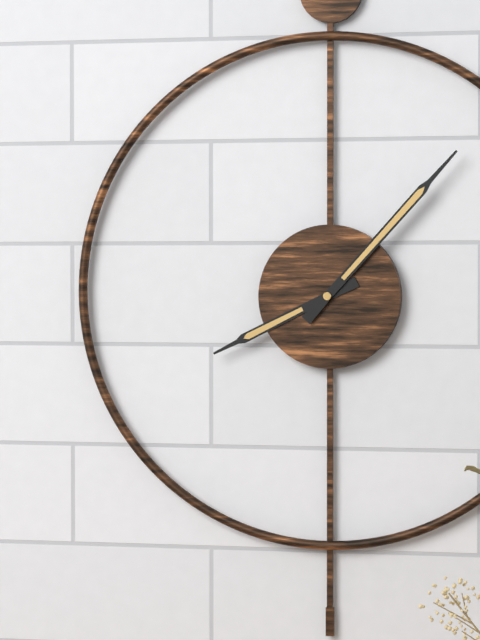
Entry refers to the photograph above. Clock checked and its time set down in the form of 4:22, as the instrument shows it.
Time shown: 8:07
